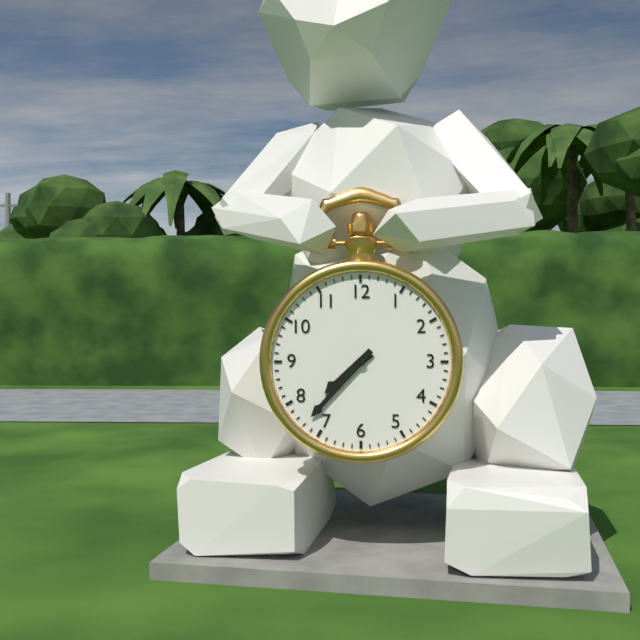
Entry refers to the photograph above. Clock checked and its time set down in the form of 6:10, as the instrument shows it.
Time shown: 7:37
